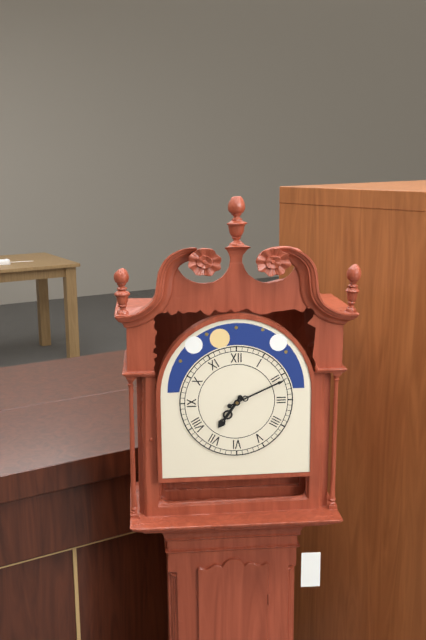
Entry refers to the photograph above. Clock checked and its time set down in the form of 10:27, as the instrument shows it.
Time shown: 7:11
